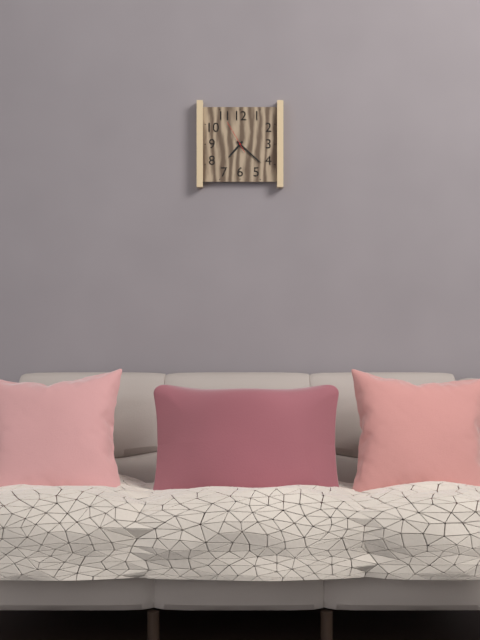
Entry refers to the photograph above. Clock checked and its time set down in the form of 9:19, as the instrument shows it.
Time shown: 7:22
